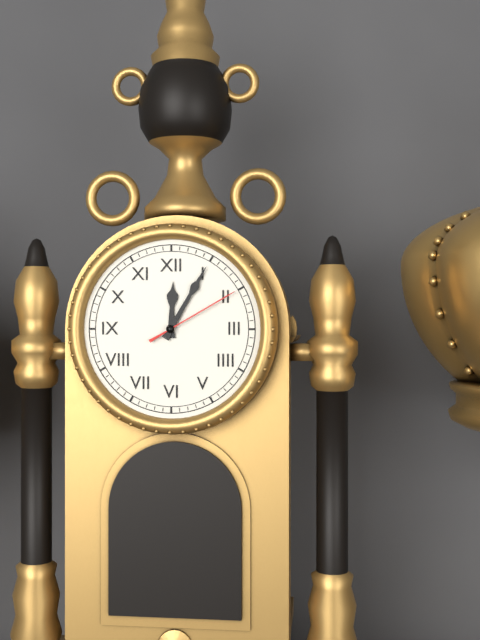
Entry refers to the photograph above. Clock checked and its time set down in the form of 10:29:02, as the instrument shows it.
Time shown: 12:05:10
